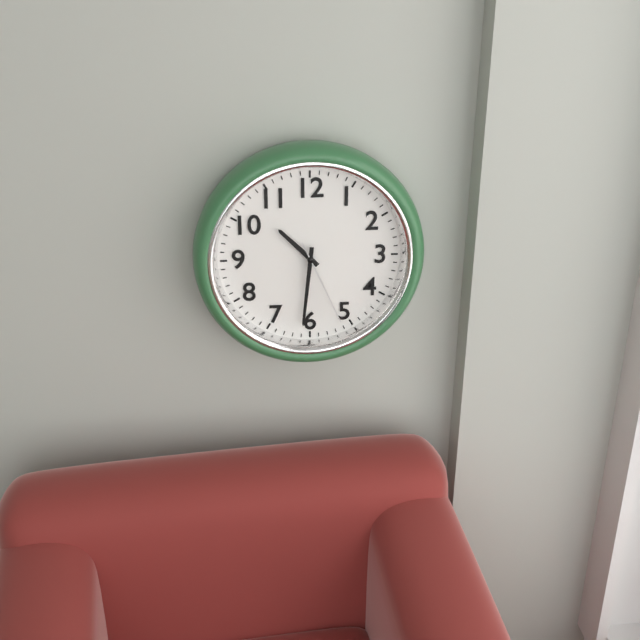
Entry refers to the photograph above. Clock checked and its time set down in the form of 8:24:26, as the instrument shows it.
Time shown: 10:31:26
